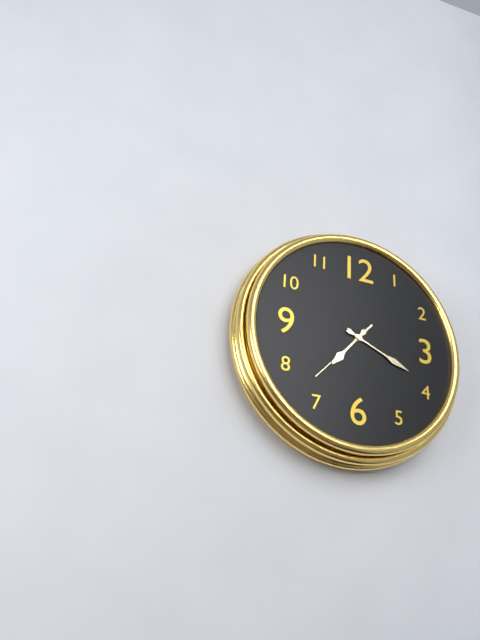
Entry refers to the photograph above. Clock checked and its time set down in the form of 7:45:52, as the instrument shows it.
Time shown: 7:19:37
